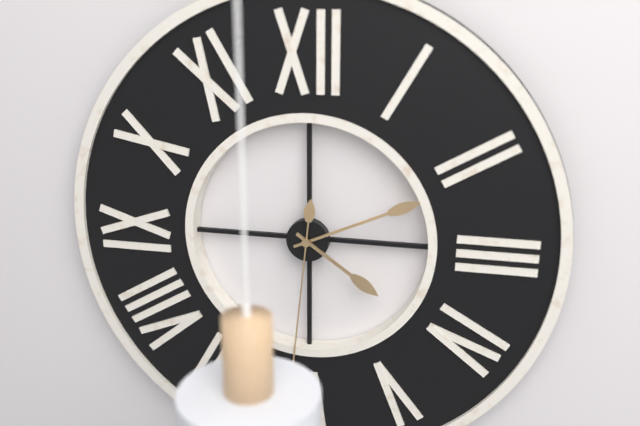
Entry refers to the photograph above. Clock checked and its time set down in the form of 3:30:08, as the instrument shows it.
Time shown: 4:11:31
